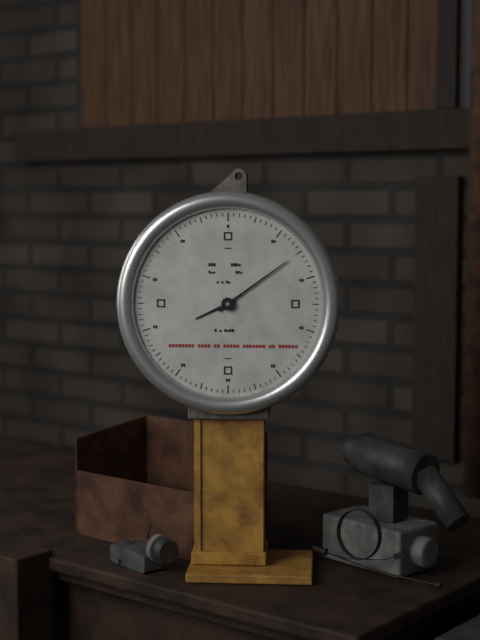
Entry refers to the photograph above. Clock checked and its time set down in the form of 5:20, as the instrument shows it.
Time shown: 8:09
